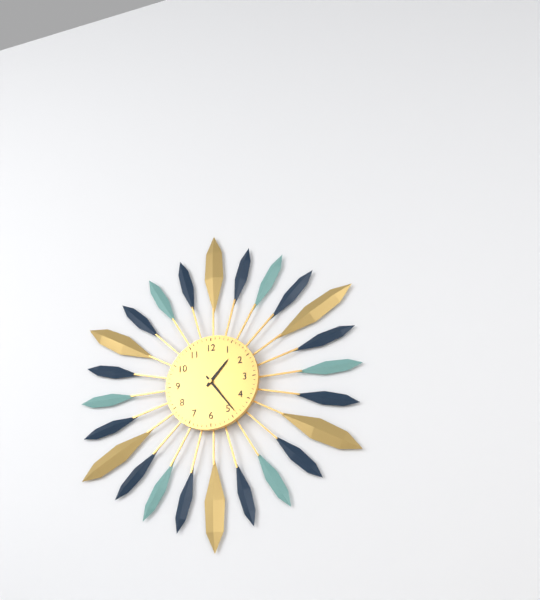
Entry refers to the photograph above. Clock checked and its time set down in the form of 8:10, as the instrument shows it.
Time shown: 1:24
